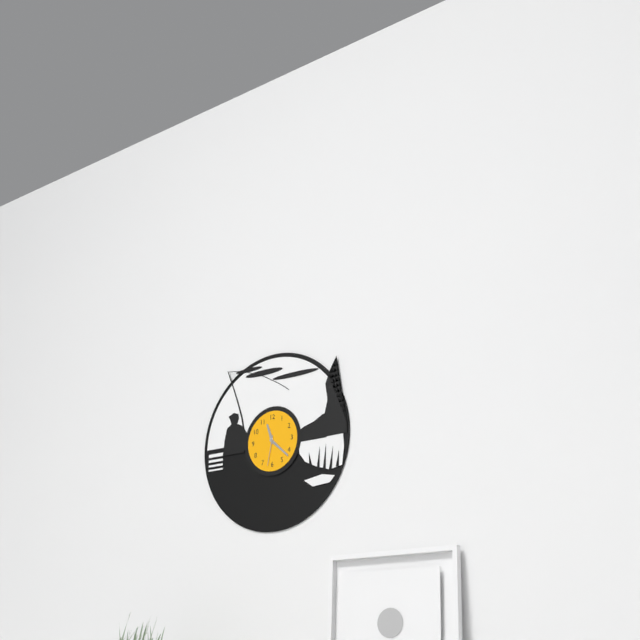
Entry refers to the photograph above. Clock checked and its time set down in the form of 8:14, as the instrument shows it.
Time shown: 11:22
